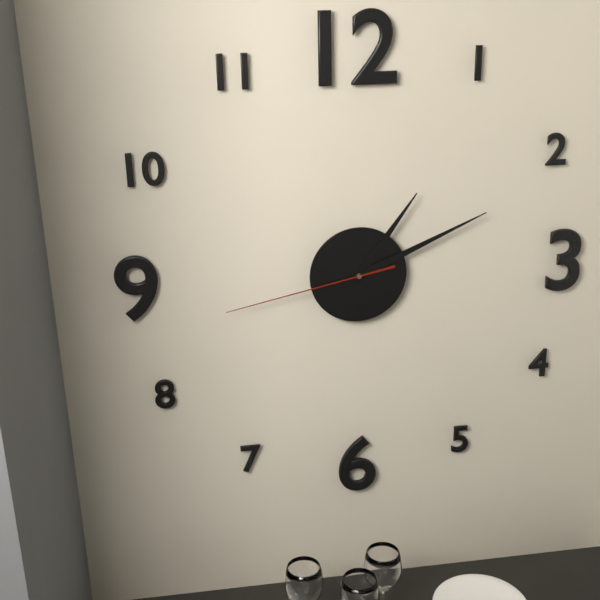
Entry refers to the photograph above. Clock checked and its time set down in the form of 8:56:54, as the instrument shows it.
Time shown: 1:11:43
